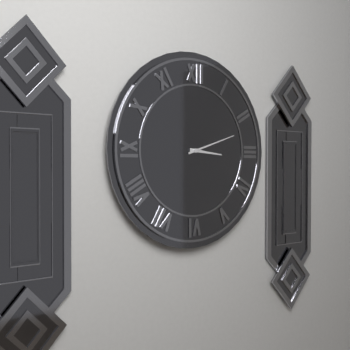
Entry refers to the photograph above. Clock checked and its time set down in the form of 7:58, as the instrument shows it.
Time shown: 3:12
